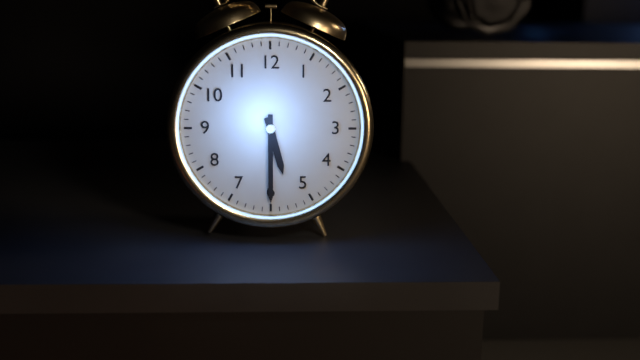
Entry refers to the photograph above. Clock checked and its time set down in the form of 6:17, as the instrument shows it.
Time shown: 5:30
